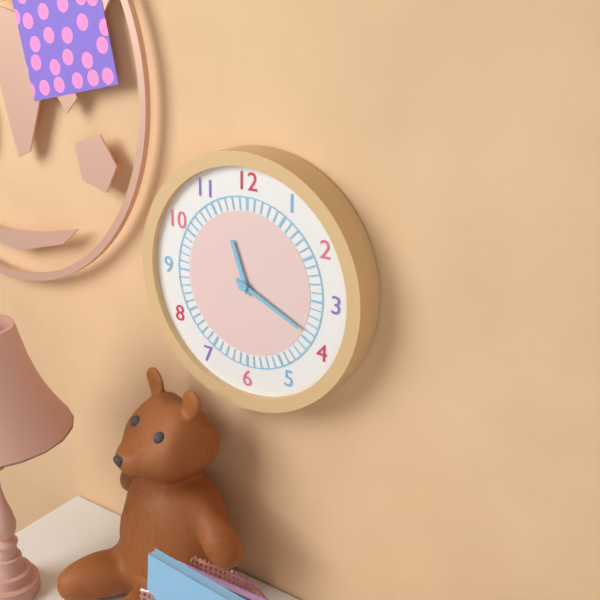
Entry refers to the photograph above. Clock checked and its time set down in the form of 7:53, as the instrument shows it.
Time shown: 11:19
